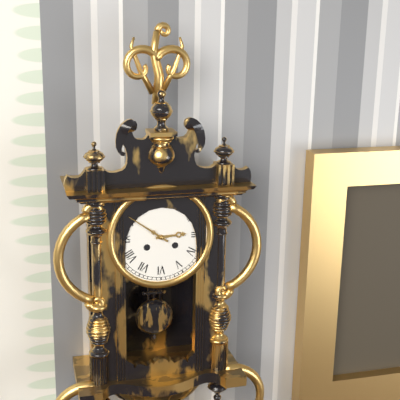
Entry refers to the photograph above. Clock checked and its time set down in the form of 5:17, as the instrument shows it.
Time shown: 2:51
